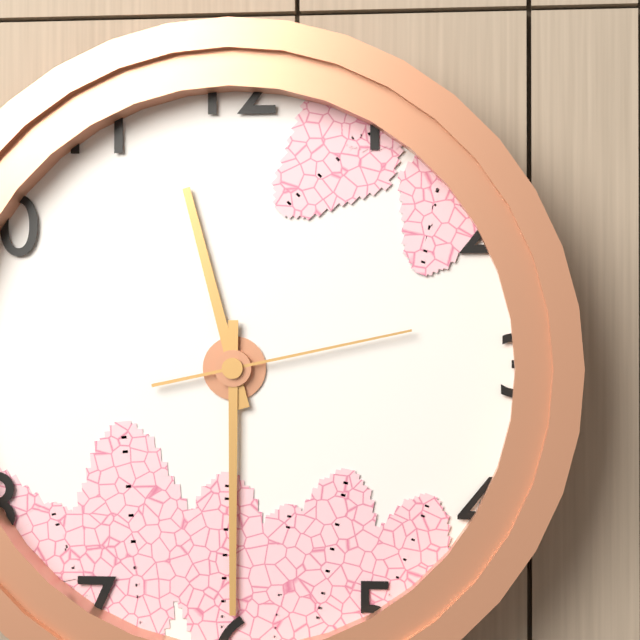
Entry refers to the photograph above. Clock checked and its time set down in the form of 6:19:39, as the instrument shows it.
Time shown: 11:30:13
